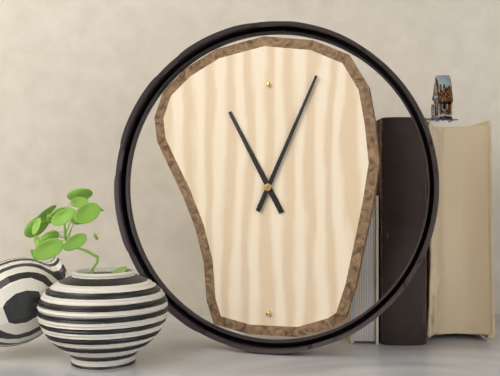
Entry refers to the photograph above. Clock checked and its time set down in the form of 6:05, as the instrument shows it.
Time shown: 11:04
